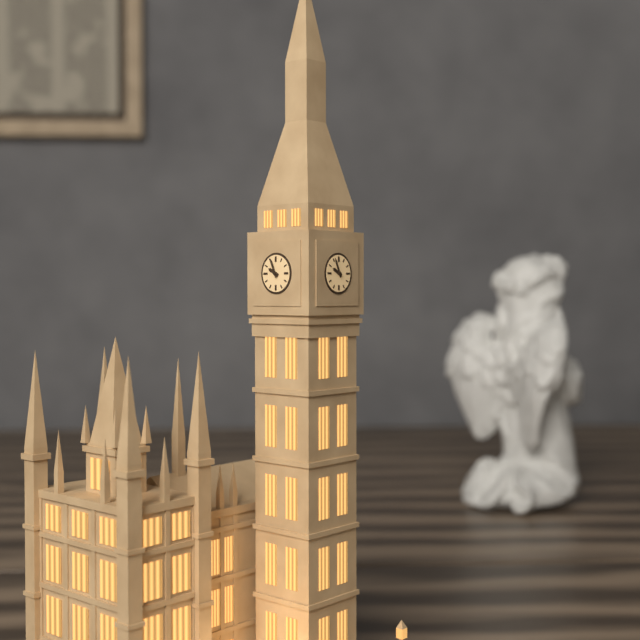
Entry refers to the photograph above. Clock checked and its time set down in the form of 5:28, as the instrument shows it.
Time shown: 9:56
